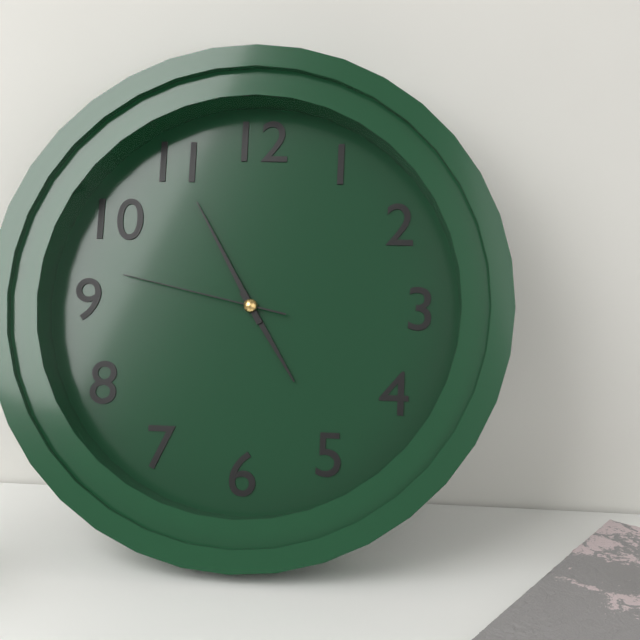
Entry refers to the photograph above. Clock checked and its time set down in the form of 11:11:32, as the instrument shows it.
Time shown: 4:55:47
